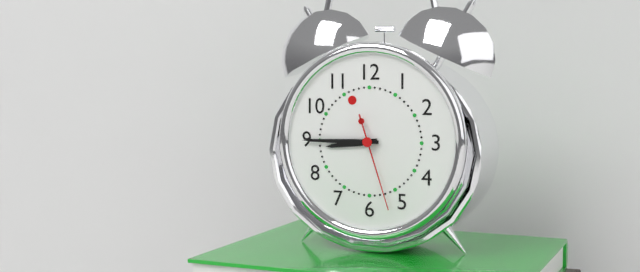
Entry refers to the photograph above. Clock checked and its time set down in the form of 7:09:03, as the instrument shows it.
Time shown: 8:45:27
